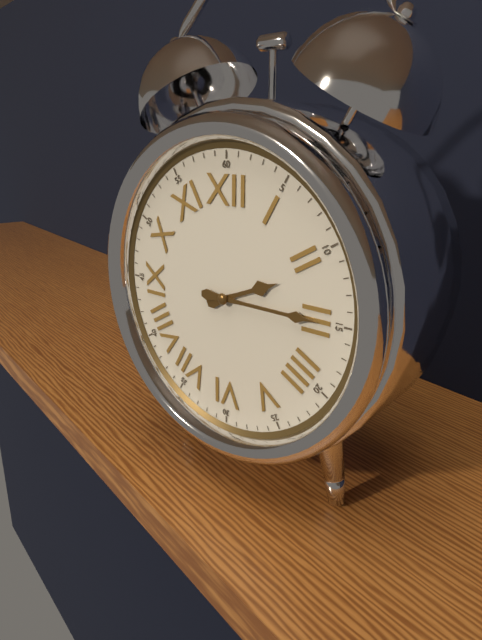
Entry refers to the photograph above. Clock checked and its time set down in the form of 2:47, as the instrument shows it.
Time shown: 2:15
